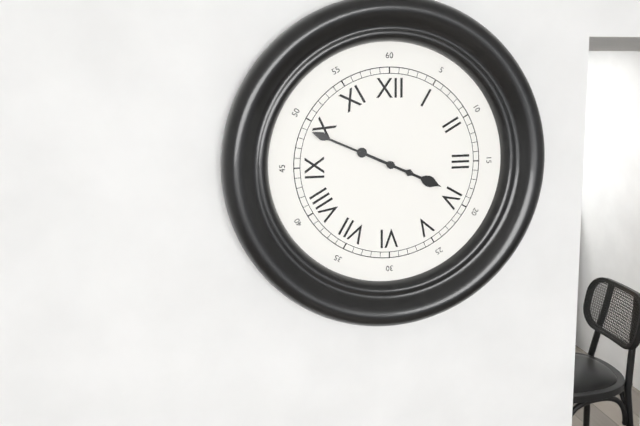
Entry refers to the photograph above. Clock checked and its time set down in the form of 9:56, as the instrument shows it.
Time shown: 3:49
